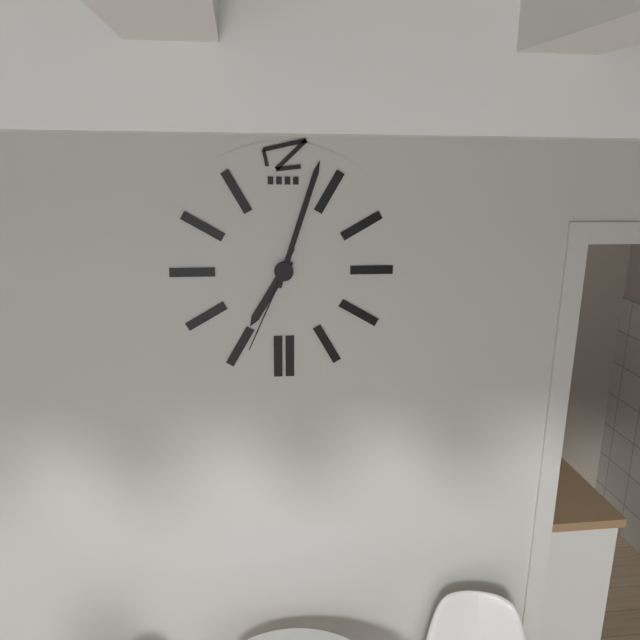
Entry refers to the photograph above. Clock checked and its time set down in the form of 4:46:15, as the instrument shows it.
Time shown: 7:03:34
